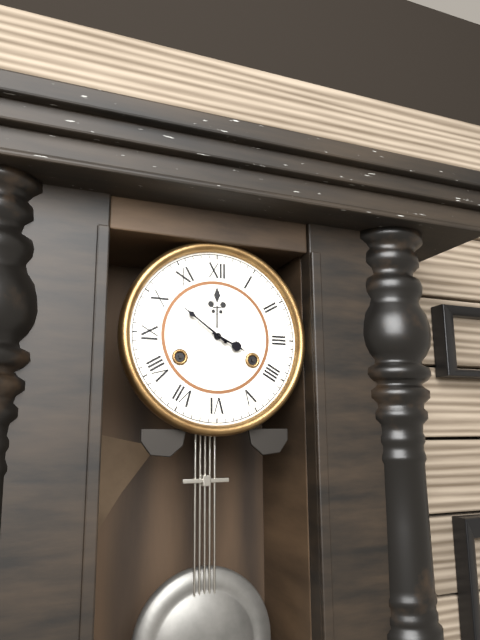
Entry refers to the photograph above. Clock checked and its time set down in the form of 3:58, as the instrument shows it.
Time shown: 3:51
